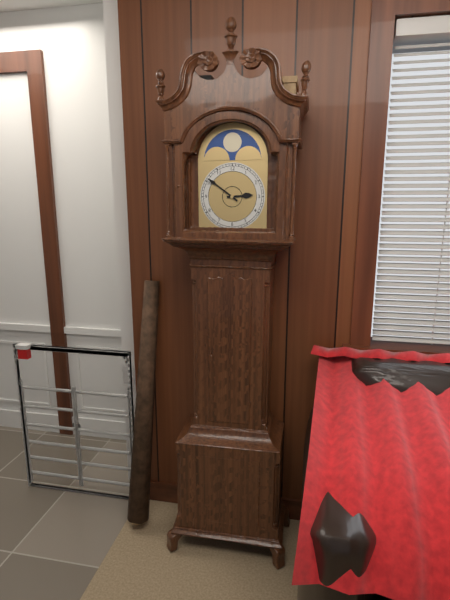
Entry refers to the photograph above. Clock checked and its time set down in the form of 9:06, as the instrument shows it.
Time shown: 2:51
